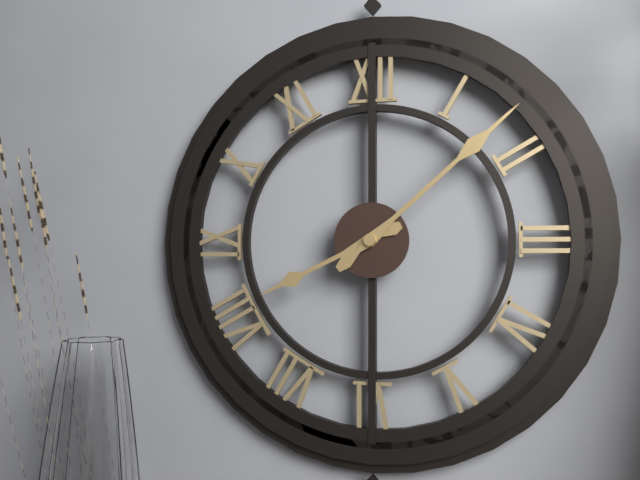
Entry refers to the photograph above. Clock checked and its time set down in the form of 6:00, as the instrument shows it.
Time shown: 8:08
